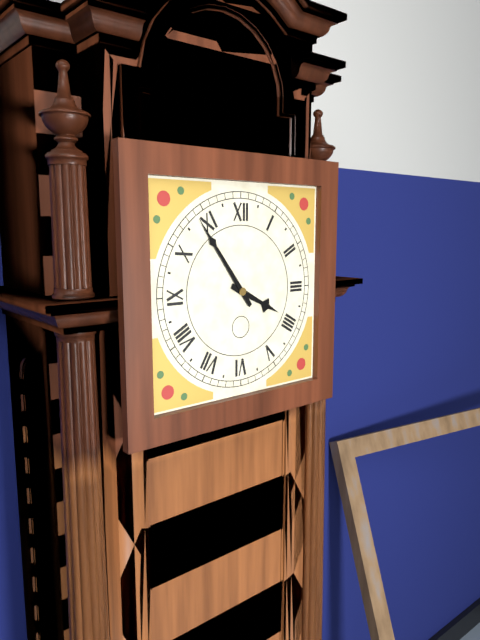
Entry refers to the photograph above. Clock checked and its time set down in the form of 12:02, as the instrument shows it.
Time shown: 3:54
